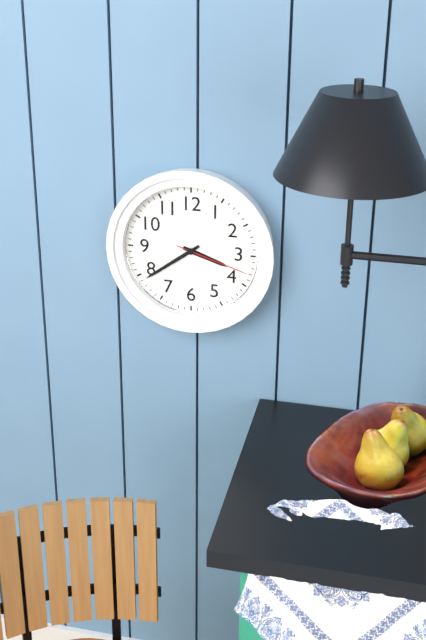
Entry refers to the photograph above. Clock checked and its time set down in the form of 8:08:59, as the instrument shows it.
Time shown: 3:39:18
